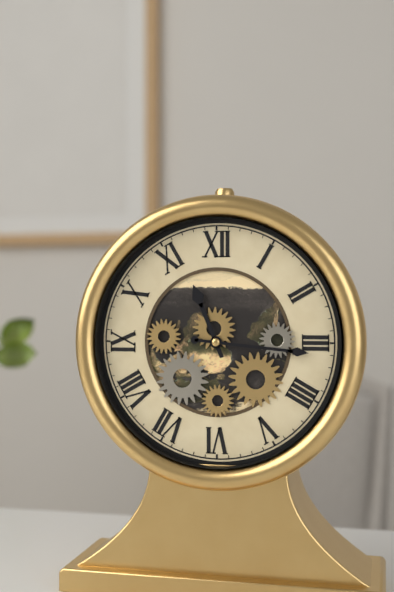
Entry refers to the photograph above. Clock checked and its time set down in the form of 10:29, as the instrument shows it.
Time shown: 11:16
